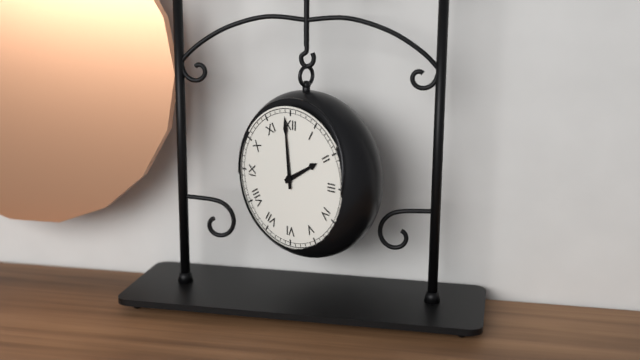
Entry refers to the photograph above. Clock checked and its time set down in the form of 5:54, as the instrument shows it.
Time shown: 1:59
